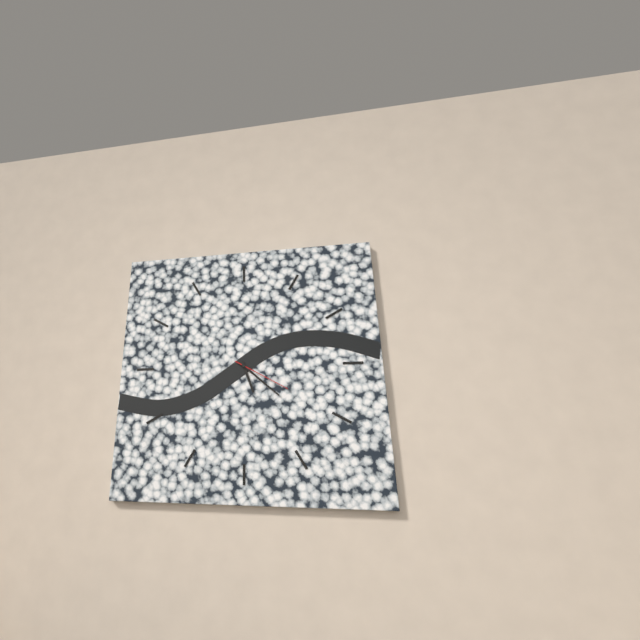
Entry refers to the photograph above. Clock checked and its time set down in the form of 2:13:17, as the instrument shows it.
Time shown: 5:22:20
